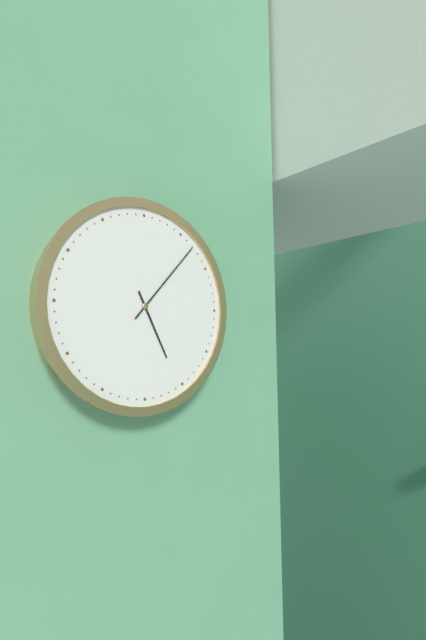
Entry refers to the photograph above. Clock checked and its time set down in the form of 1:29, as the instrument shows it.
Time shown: 5:07
